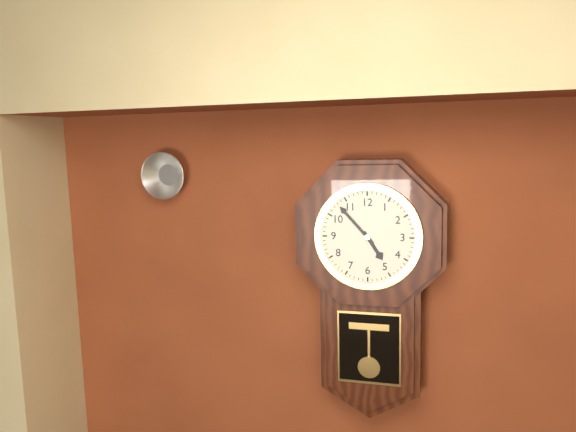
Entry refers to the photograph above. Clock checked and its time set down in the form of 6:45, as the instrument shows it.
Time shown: 4:53
